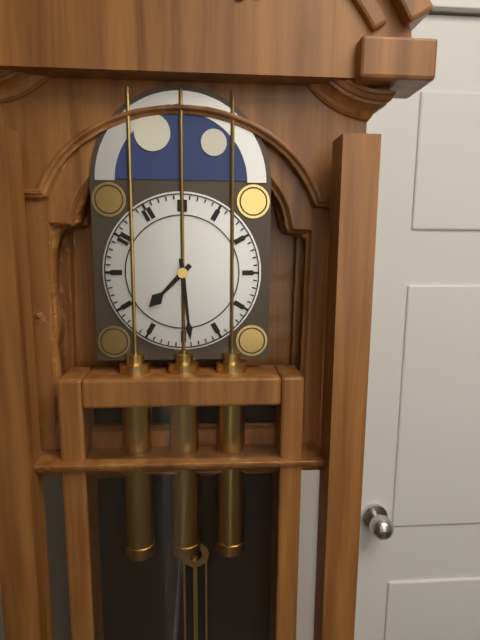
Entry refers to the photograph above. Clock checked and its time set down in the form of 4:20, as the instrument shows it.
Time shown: 7:29
